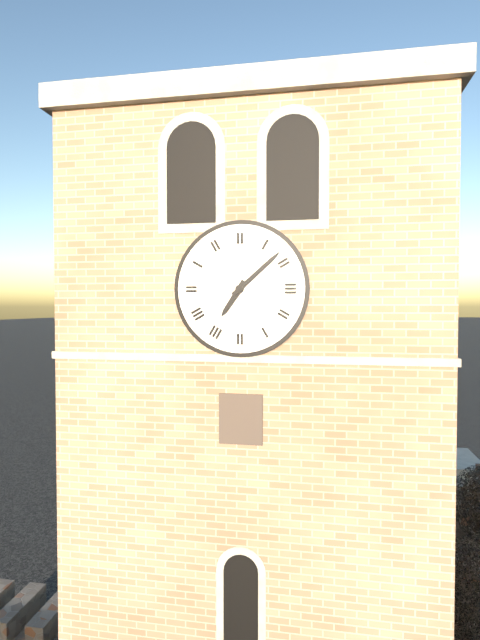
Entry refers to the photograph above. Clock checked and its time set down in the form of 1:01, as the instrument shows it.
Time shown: 7:08
